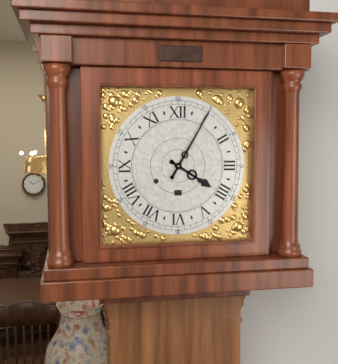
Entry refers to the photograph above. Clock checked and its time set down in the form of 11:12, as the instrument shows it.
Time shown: 4:05
